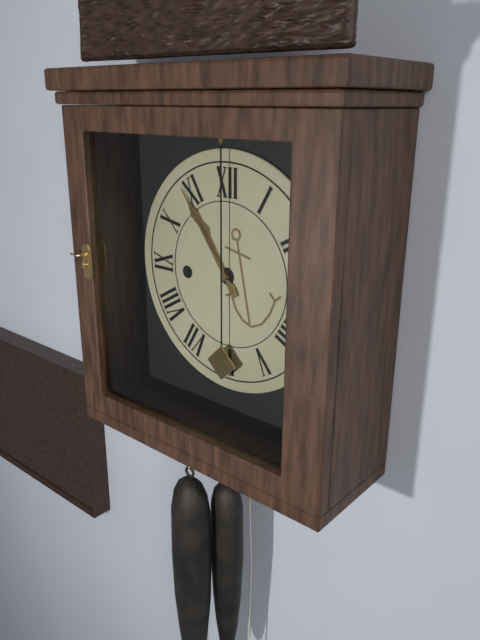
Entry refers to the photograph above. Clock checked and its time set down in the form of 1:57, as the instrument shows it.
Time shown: 10:54
